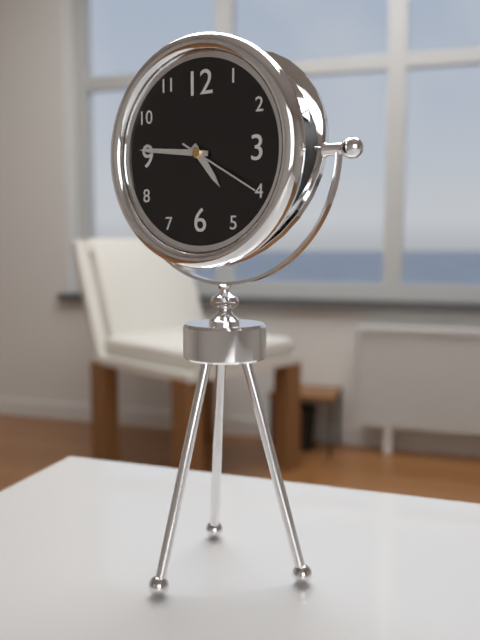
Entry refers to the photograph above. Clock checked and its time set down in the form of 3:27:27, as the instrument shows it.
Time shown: 4:46:20
